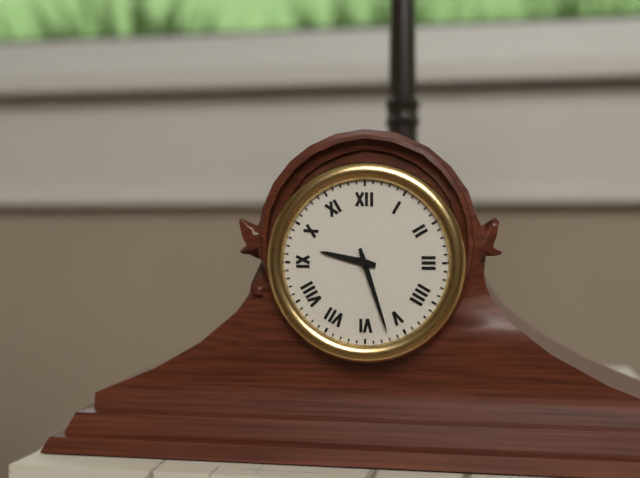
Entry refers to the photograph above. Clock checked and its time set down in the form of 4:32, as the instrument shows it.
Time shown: 9:27
